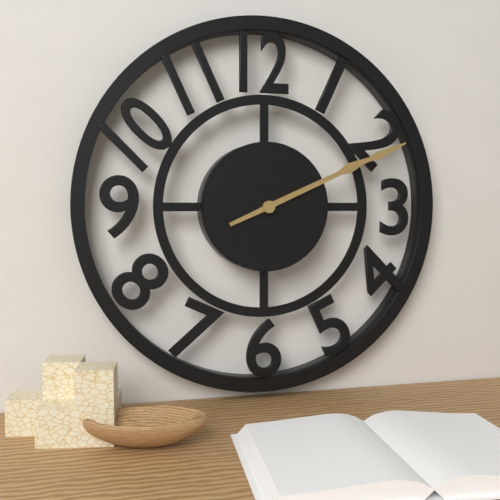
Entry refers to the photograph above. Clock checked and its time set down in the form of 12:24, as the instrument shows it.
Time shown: 2:11
